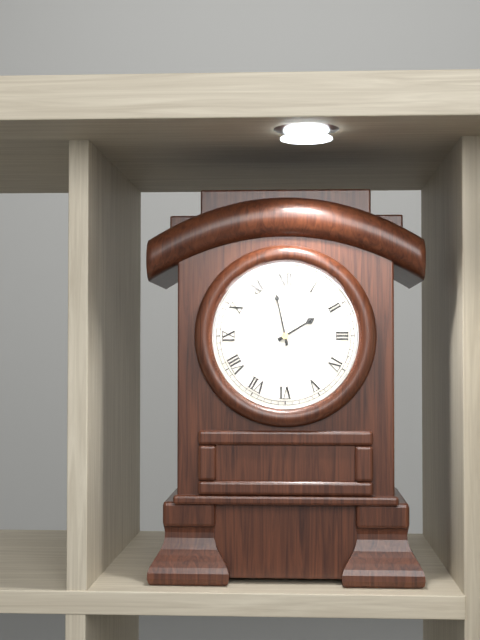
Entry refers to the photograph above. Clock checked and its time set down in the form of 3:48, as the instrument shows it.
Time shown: 1:58
